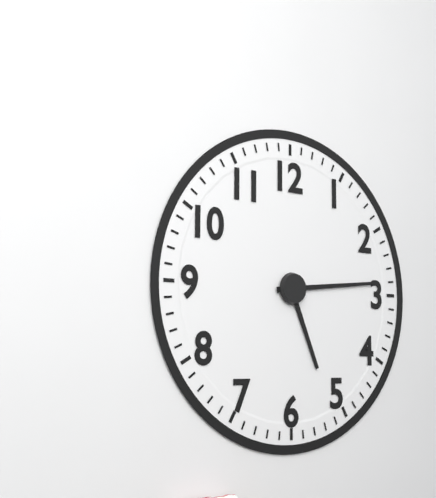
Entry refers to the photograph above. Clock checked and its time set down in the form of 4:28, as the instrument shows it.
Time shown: 5:14
